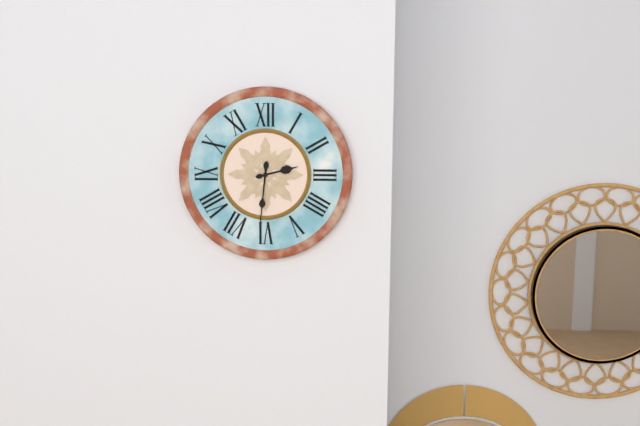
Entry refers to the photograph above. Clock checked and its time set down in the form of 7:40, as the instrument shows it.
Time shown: 2:31
